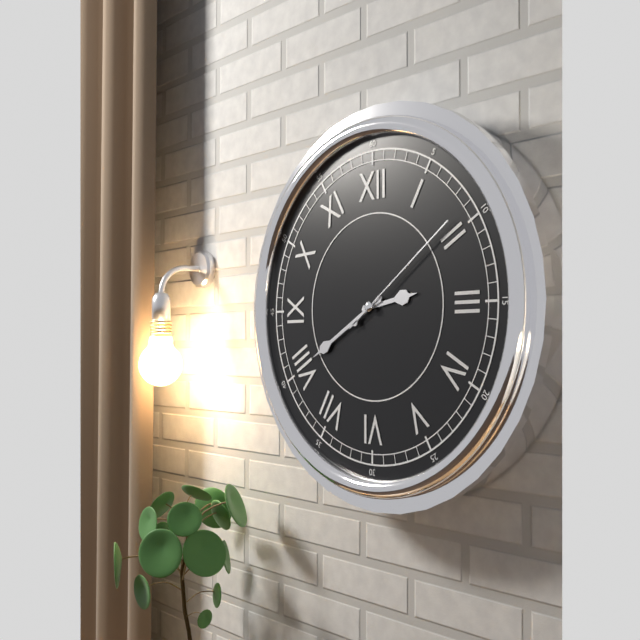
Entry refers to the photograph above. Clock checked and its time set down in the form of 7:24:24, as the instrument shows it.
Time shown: 2:40:09
